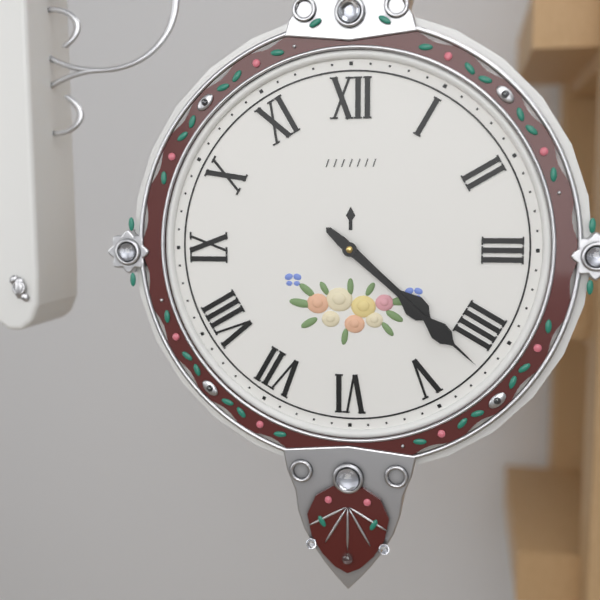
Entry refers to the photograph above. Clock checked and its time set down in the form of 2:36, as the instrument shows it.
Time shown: 4:22
